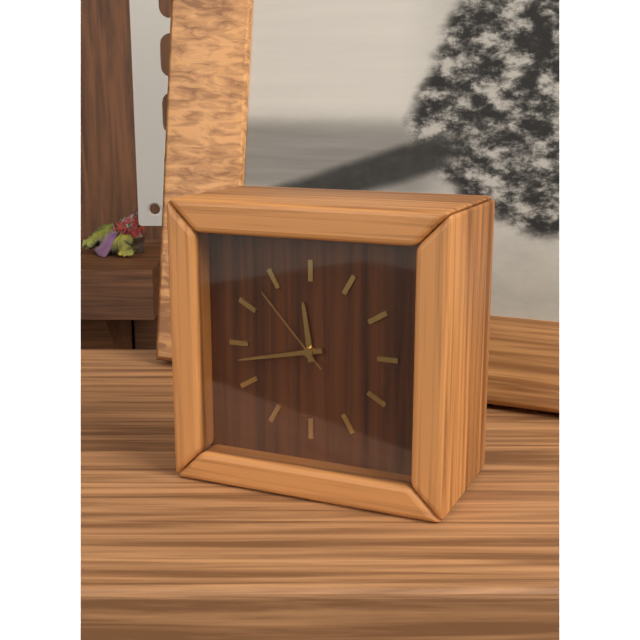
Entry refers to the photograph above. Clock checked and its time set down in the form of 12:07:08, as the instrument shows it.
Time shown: 11:43:53
